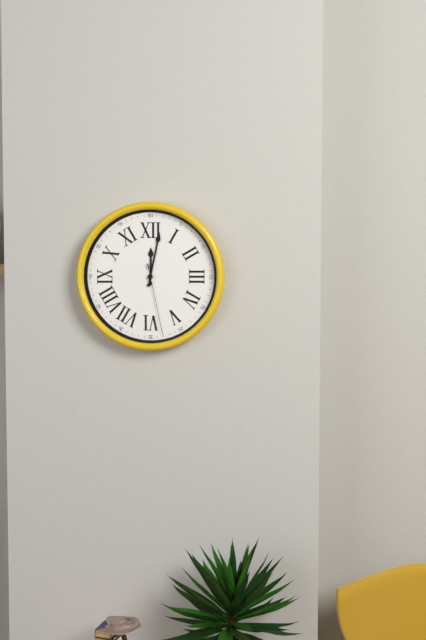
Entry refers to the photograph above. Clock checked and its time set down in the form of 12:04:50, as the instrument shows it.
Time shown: 12:02:28
